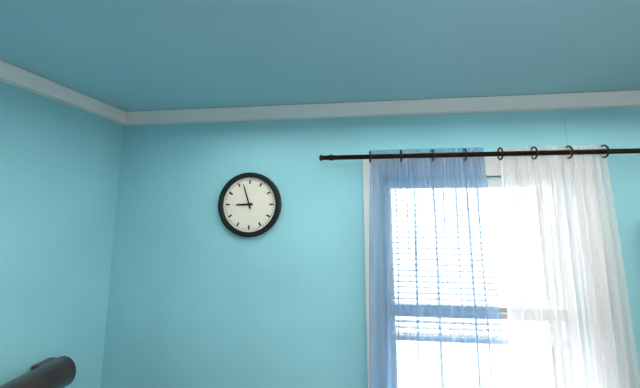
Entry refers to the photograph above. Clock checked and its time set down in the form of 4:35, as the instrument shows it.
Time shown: 8:57
